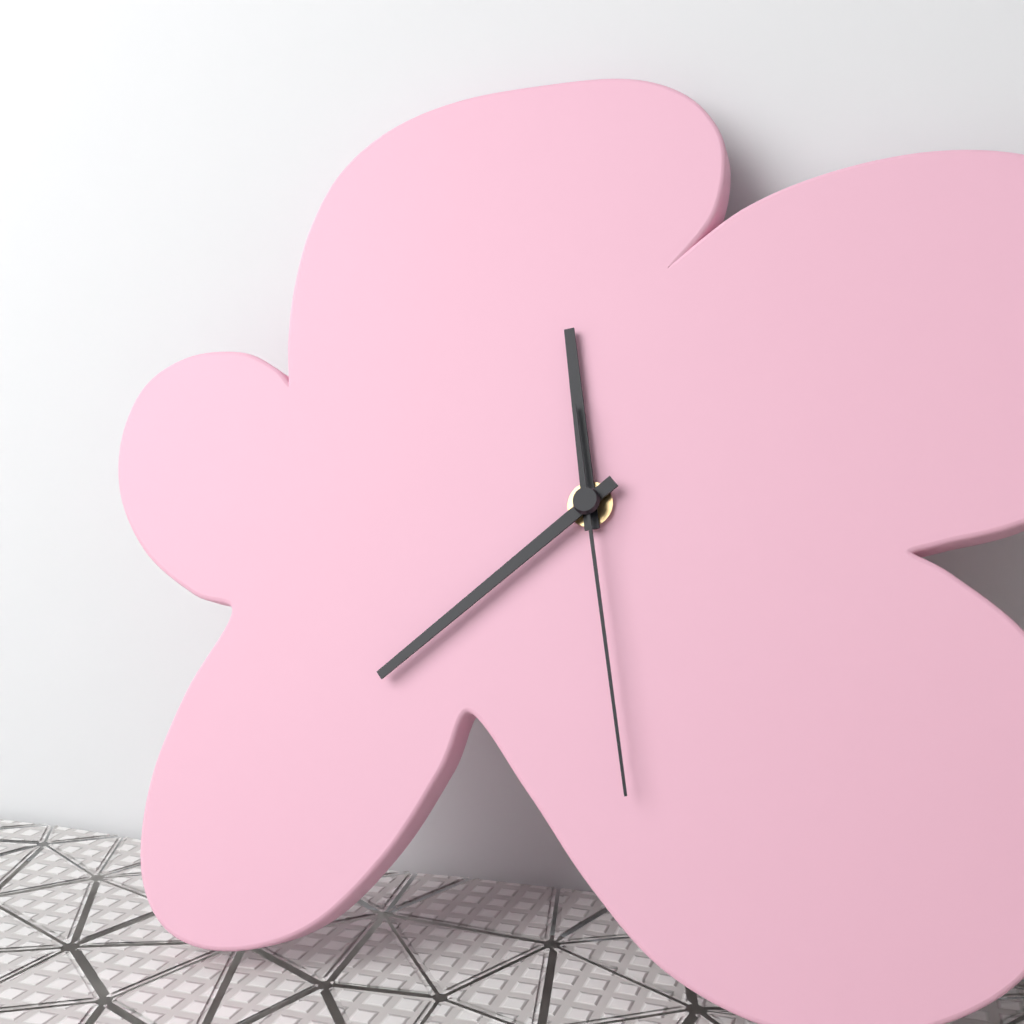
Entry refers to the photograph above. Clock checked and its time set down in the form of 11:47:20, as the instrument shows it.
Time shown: 11:38:28
